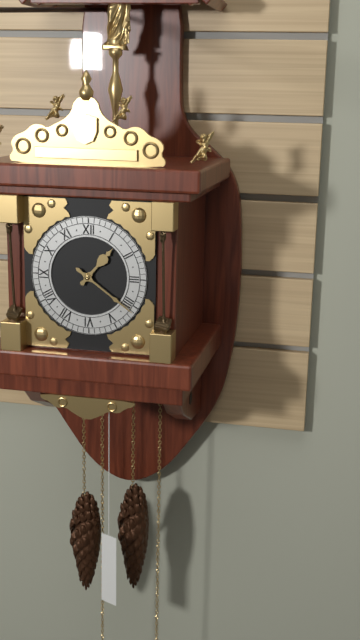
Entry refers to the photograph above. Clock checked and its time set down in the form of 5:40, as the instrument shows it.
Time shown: 1:21
